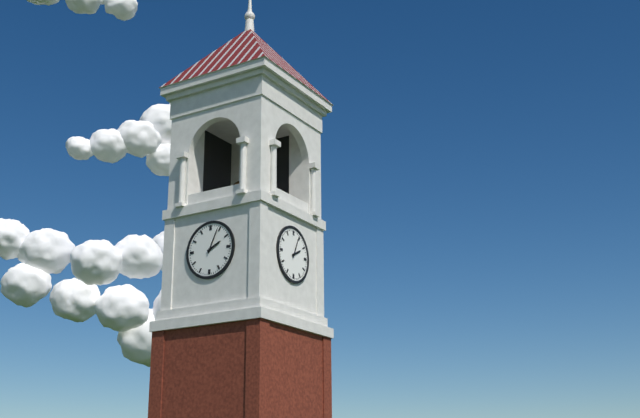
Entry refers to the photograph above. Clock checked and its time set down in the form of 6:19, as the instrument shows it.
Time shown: 2:04
